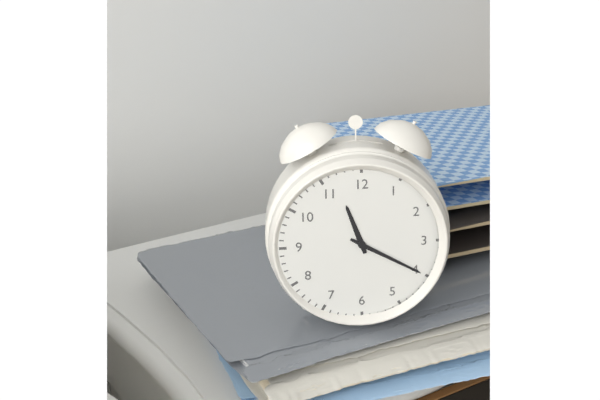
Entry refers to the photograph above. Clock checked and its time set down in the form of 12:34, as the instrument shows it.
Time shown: 11:20
